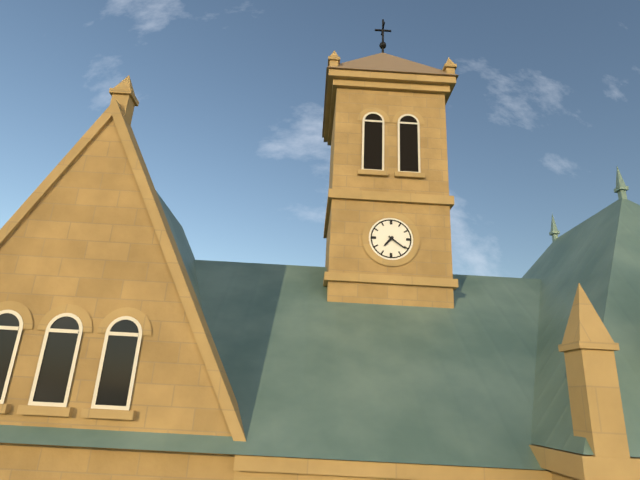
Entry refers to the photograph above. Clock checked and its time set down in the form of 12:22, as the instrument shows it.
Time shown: 7:21
